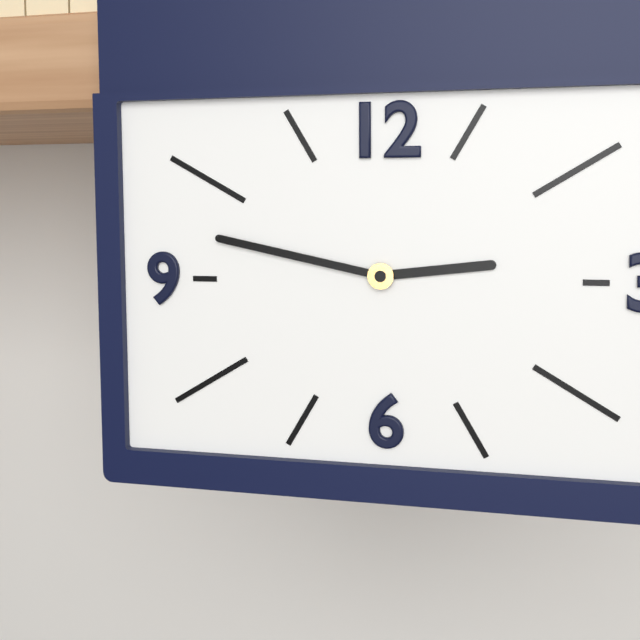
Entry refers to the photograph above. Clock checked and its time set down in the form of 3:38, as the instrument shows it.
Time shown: 2:47
